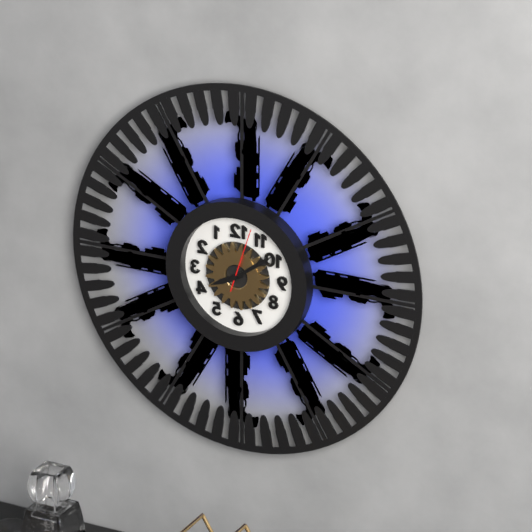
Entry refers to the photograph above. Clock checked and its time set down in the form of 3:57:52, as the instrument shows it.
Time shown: 8:09:03
